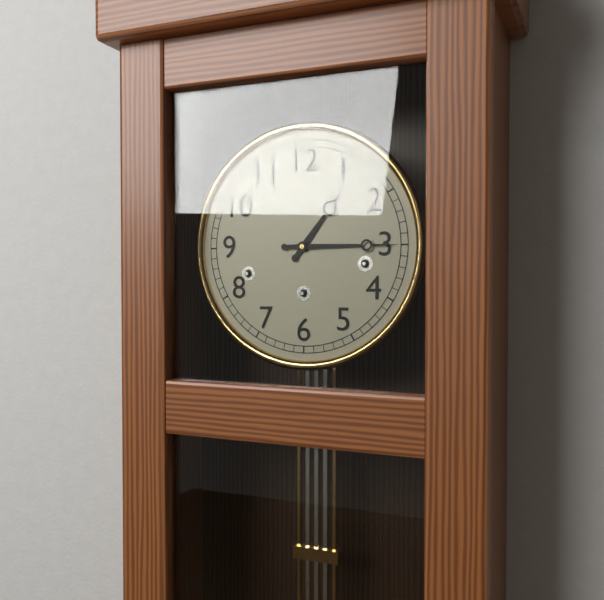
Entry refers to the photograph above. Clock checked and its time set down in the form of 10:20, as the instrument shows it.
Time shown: 1:15
